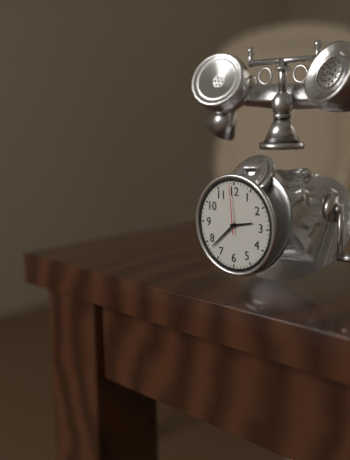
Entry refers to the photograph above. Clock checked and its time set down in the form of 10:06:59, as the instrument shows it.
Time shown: 2:38:59
